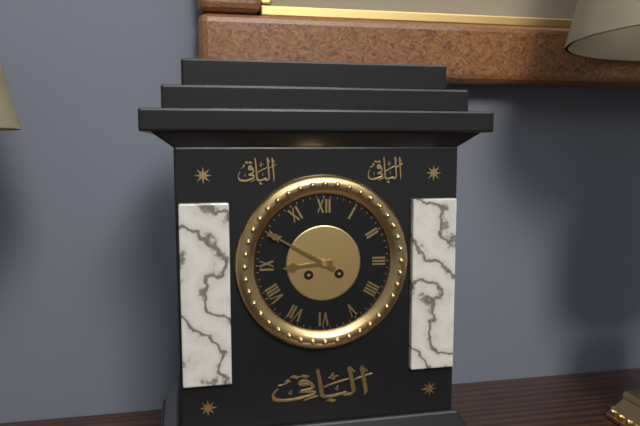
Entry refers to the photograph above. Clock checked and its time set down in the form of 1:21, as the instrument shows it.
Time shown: 8:50
